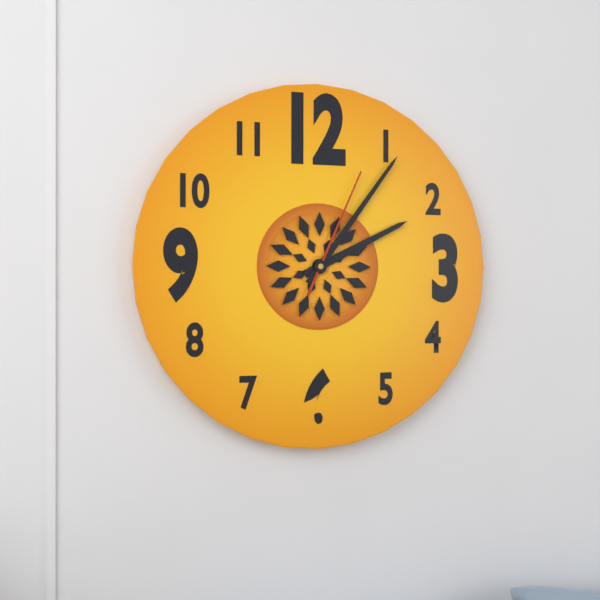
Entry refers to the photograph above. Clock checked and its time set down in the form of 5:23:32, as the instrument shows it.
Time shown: 2:06:04
